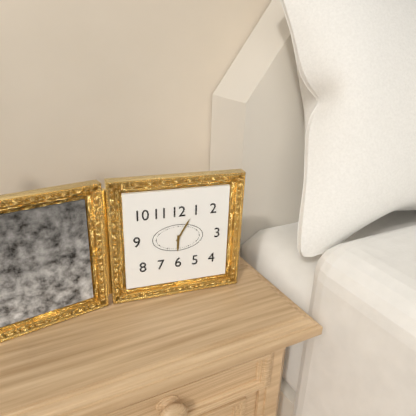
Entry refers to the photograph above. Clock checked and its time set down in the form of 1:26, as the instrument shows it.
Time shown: 6:05
